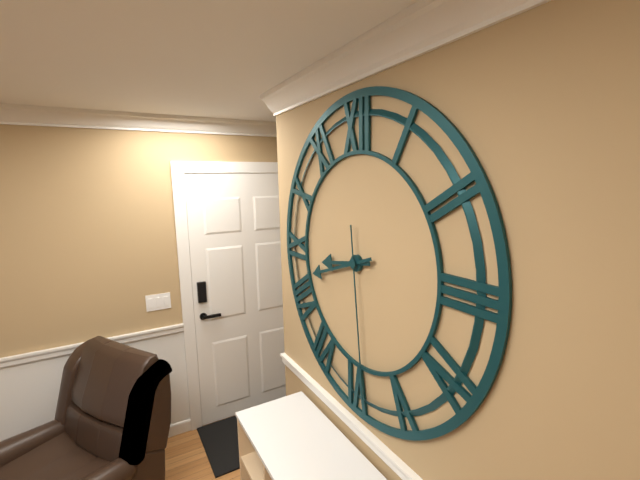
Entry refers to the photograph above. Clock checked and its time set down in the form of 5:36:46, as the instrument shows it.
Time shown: 8:42:29
